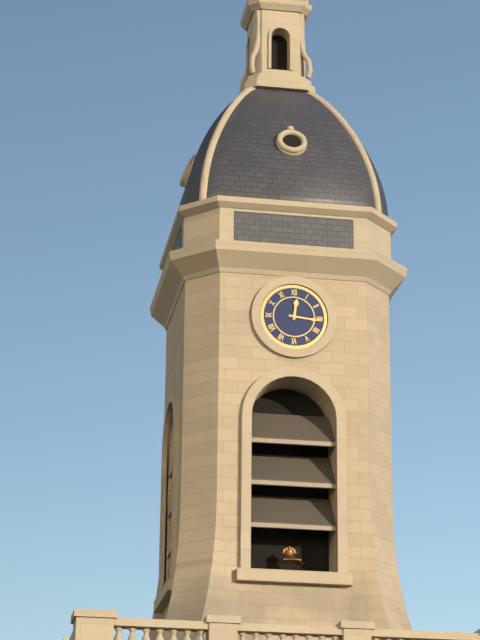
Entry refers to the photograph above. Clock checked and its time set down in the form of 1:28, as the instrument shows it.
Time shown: 12:16
